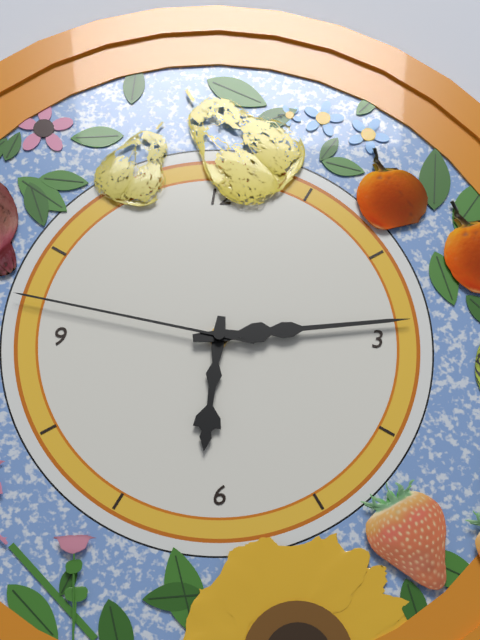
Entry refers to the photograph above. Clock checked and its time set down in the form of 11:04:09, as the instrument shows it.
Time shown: 6:14:47
